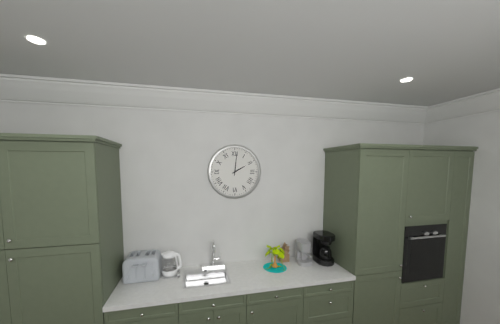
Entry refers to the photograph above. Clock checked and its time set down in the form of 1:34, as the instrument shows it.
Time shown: 2:01
